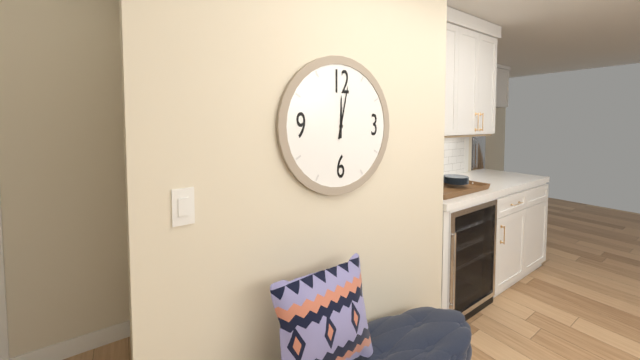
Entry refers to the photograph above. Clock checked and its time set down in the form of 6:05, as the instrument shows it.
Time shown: 12:02
